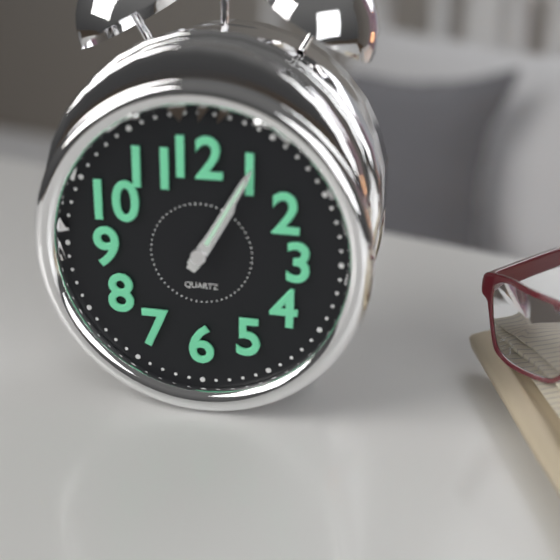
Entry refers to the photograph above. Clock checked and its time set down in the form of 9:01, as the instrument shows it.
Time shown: 1:05
